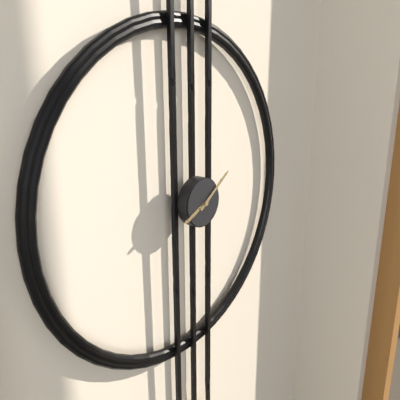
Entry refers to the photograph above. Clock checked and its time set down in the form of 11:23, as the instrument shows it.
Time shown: 8:09
